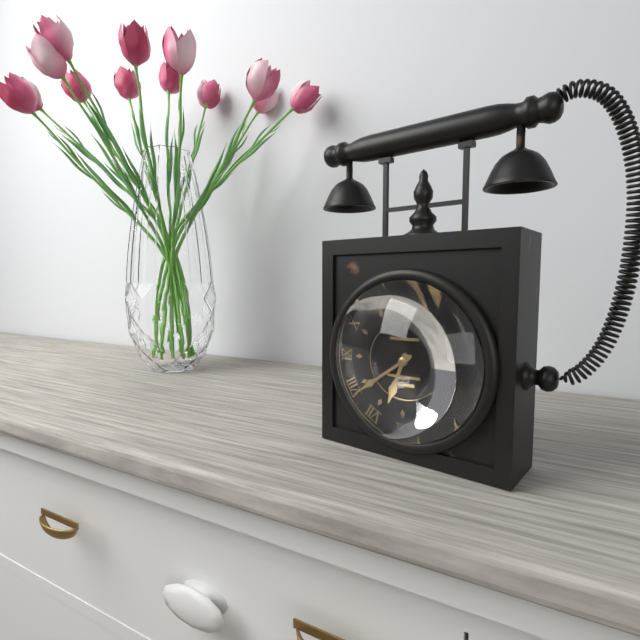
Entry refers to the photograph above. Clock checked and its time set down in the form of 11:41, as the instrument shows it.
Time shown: 6:39
